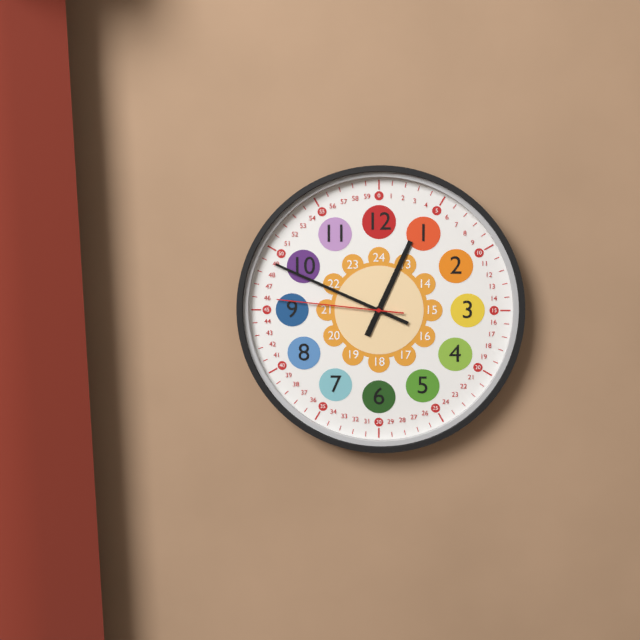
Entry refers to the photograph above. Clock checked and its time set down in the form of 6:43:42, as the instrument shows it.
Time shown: 12:49:46
